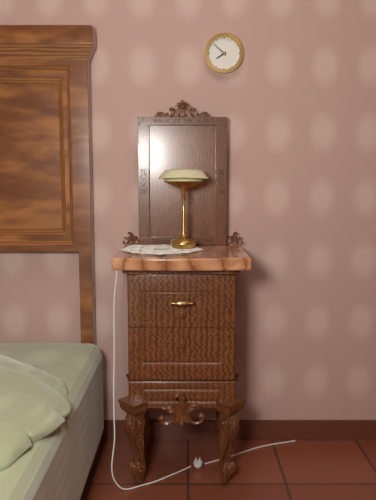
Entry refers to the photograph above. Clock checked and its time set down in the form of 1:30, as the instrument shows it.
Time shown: 7:52
